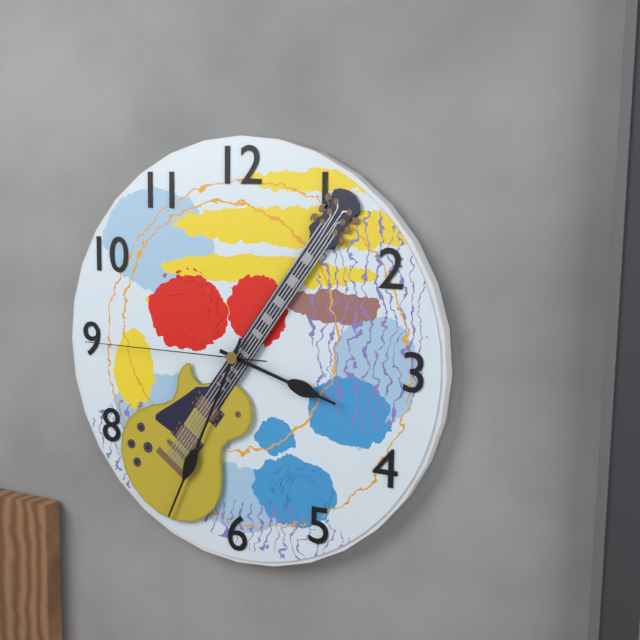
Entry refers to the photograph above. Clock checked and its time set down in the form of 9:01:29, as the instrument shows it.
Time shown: 3:34:45
